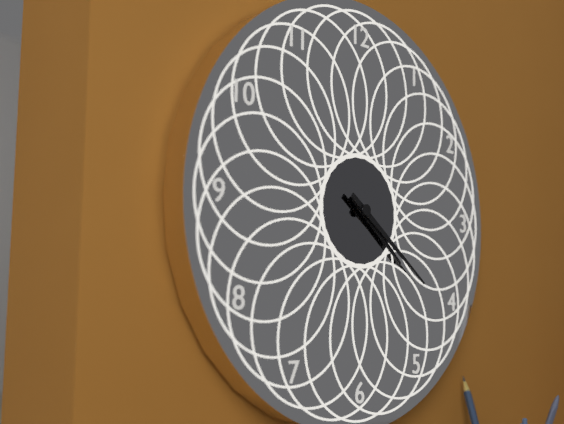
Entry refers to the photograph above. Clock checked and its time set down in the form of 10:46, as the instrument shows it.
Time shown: 4:21
